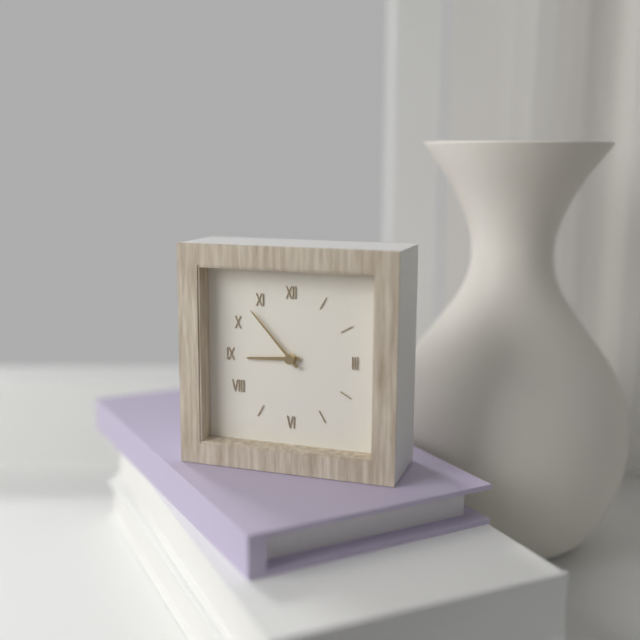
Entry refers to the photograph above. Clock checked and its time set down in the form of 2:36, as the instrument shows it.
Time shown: 8:53
